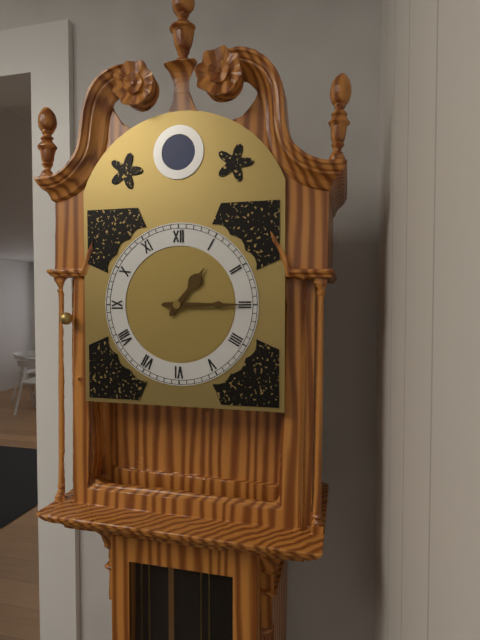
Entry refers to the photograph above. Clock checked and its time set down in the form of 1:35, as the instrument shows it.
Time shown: 1:15
